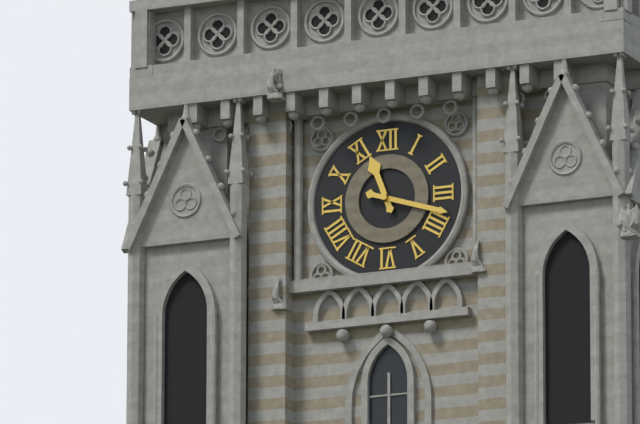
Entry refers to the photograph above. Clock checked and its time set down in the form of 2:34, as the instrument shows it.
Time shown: 11:18
